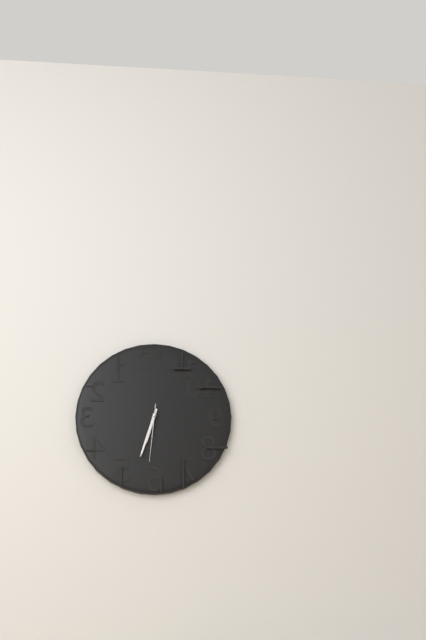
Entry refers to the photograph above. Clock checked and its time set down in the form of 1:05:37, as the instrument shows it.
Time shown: 6:33:31
